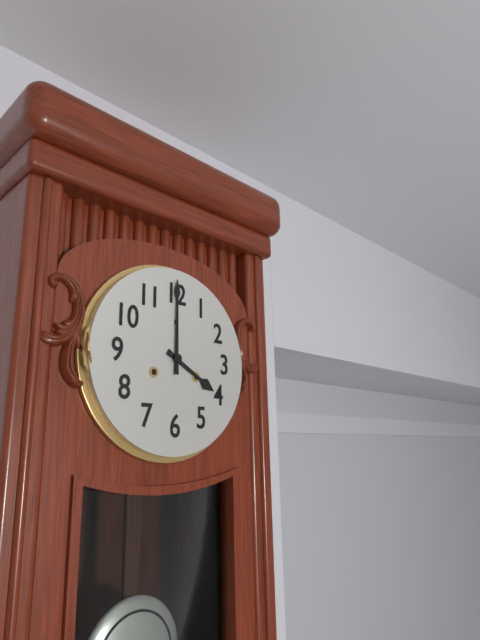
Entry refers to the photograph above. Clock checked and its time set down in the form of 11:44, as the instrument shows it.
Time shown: 4:00
